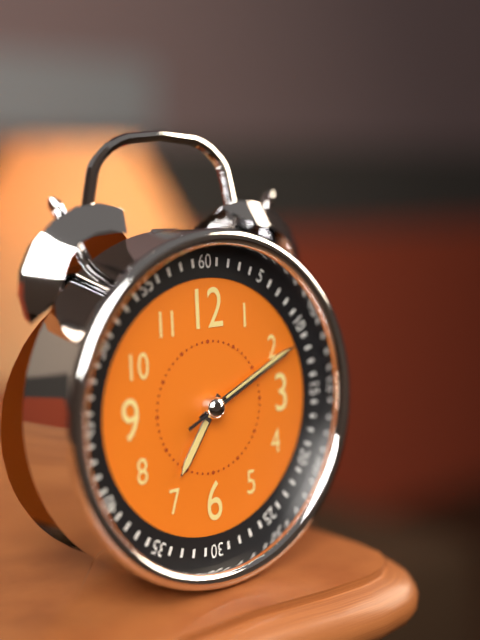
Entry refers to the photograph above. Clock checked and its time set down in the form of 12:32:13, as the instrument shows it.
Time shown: 7:11:11
